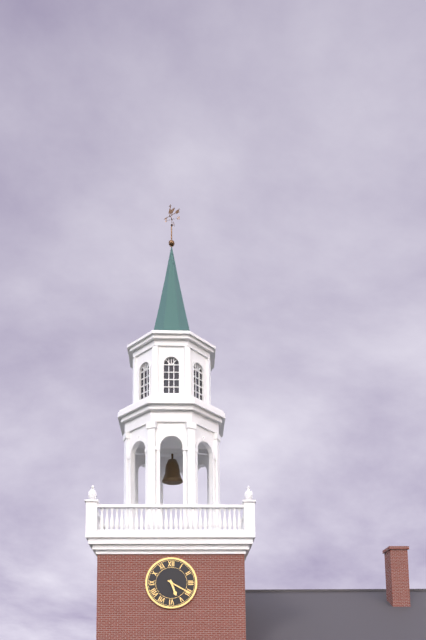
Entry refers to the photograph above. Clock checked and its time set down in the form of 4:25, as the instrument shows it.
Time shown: 5:20
